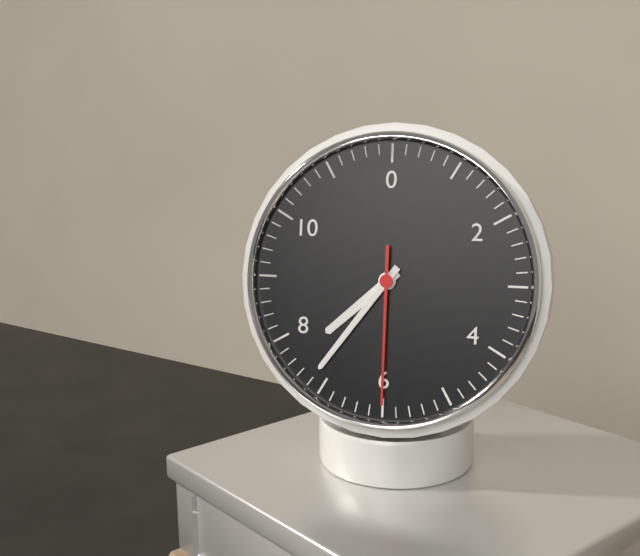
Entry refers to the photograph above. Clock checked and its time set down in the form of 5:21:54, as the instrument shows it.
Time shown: 7:36:30
